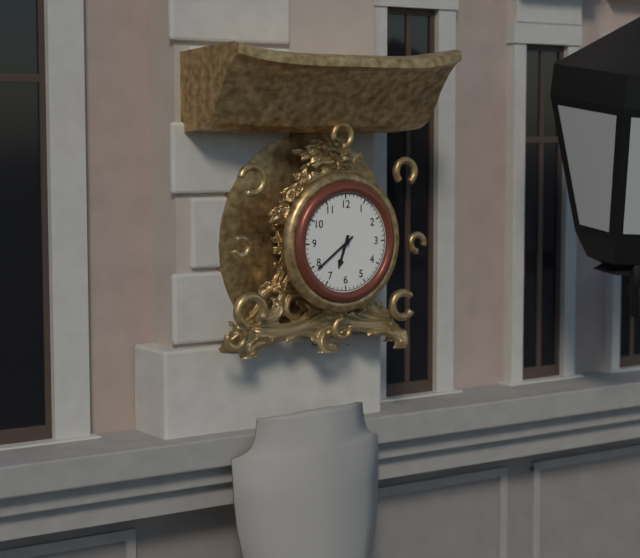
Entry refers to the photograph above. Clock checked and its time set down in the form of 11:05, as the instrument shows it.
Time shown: 6:39
